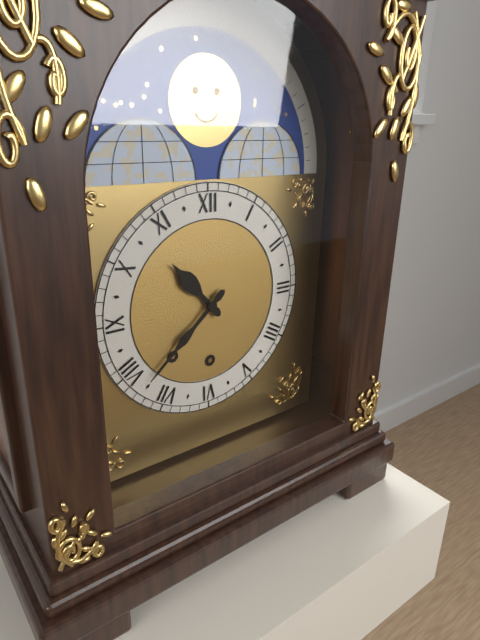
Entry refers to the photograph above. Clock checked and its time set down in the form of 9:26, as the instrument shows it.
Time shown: 10:38
